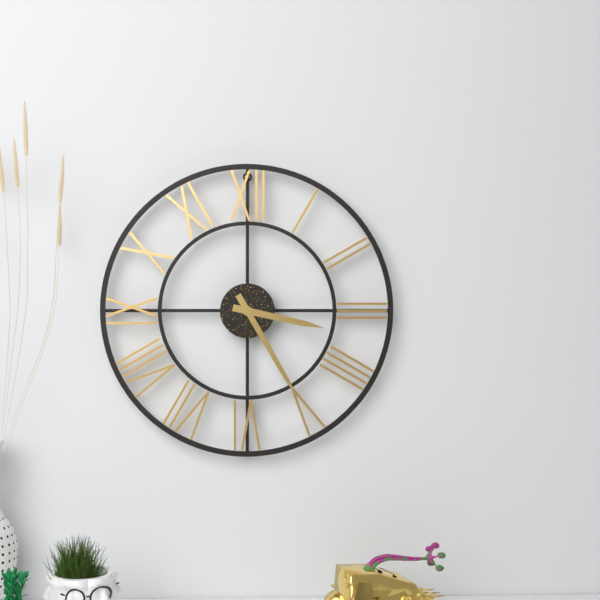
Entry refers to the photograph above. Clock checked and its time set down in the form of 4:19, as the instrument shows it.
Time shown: 3:25
